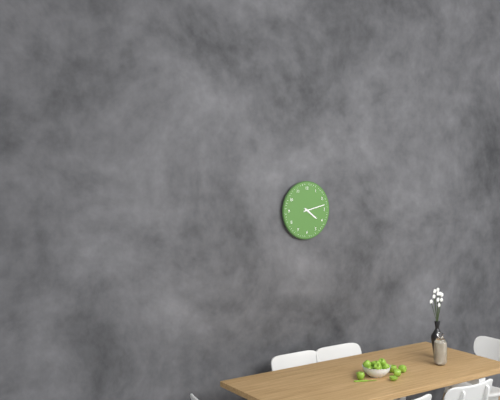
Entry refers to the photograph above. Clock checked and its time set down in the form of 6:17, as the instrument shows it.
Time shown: 4:13
